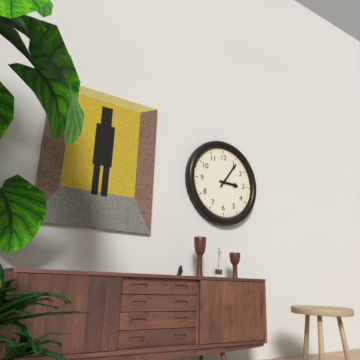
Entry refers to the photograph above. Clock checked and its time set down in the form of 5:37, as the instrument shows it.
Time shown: 3:06
